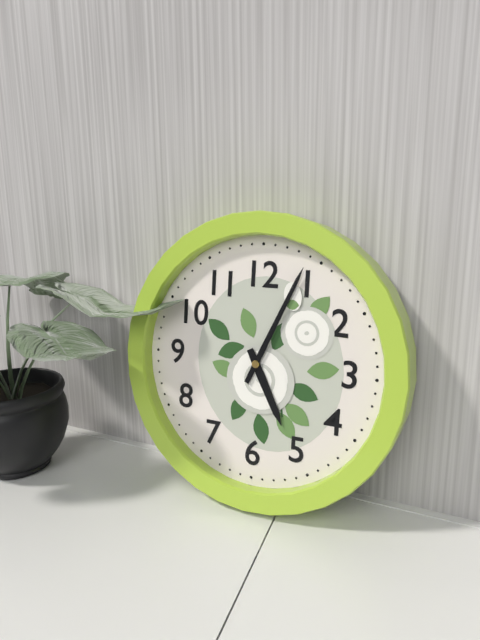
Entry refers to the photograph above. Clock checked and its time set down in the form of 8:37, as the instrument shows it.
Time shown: 5:04
